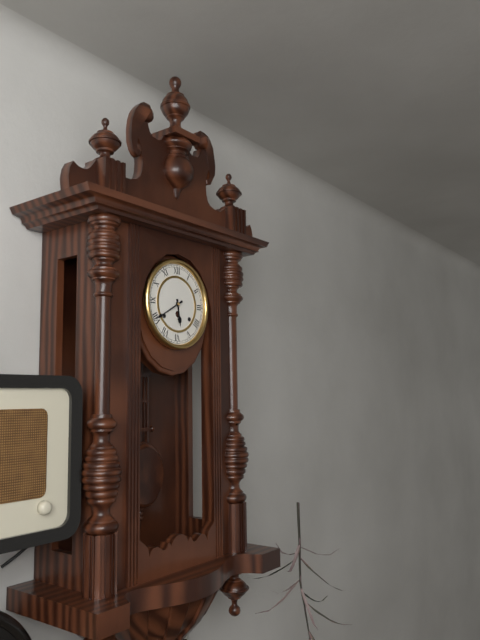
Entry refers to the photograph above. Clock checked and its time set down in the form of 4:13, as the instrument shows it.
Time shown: 5:40
